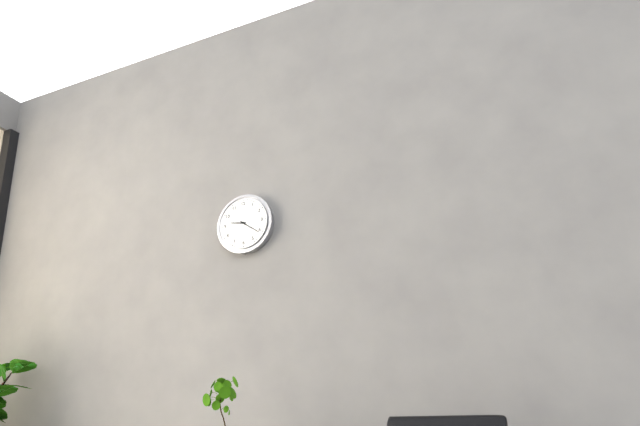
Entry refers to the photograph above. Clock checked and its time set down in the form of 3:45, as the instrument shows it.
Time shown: 9:21
